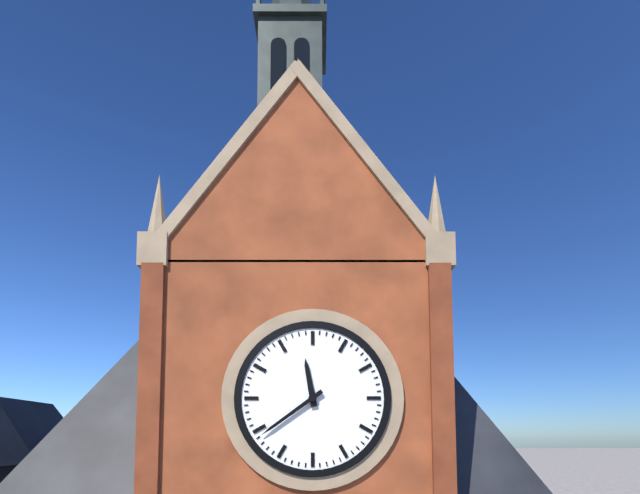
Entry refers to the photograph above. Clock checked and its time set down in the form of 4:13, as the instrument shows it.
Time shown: 11:39
